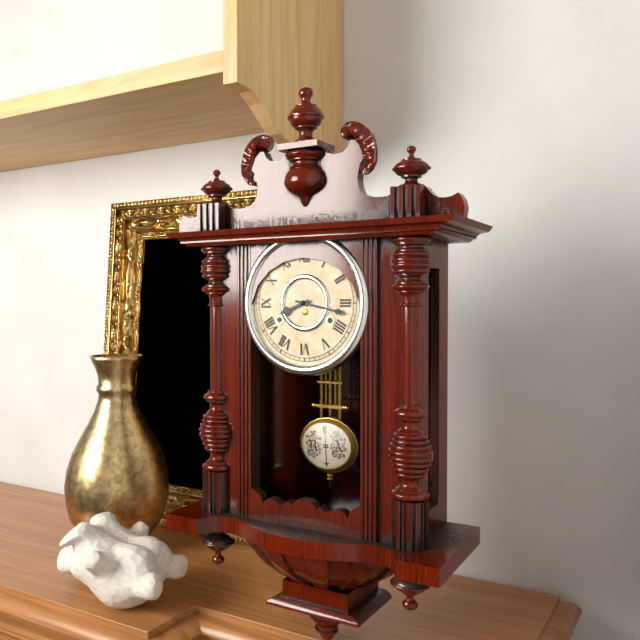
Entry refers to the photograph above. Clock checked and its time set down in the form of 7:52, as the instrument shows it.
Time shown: 8:17
